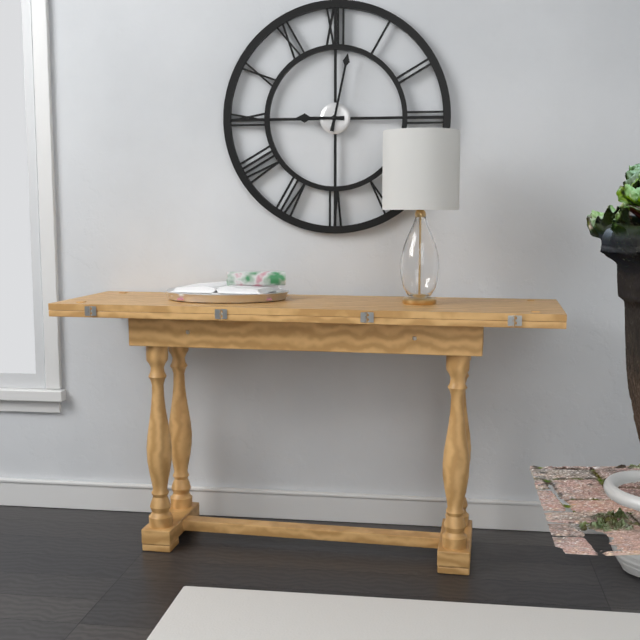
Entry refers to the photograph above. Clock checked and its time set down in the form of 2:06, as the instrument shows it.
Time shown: 9:02
